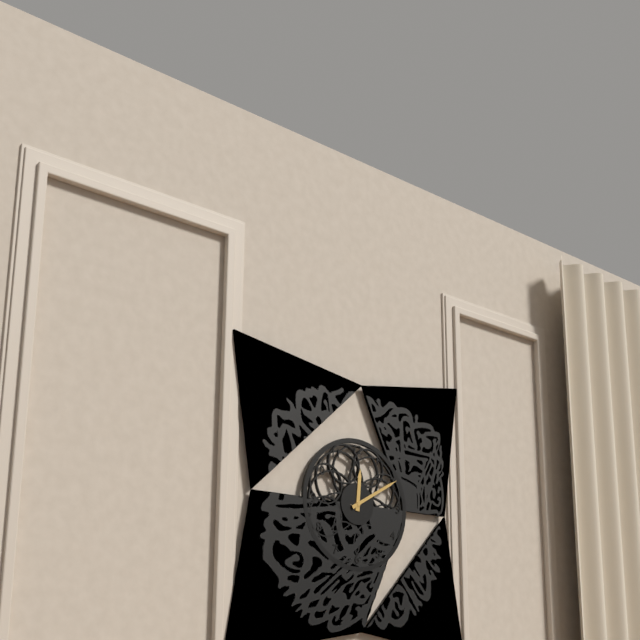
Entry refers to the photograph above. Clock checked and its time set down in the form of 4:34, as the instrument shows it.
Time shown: 12:10
